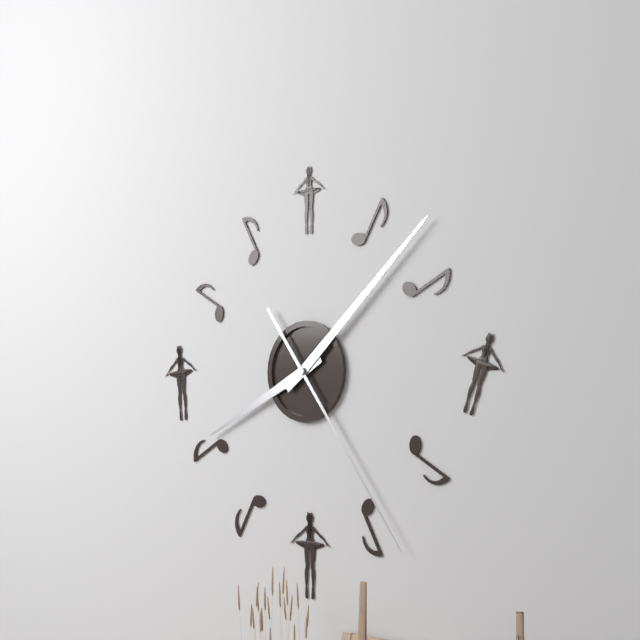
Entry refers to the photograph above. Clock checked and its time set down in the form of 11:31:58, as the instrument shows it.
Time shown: 8:08:24
